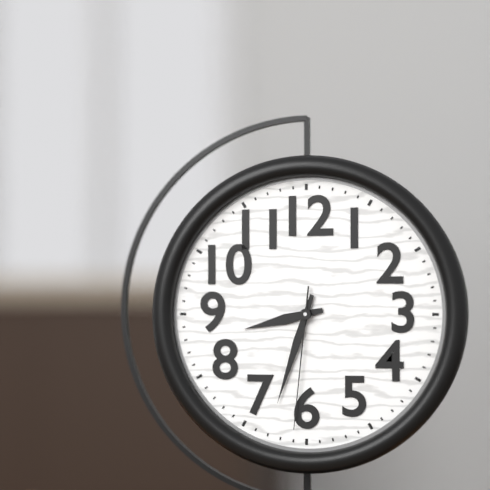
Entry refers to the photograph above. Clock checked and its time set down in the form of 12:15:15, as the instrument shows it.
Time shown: 8:33:31
